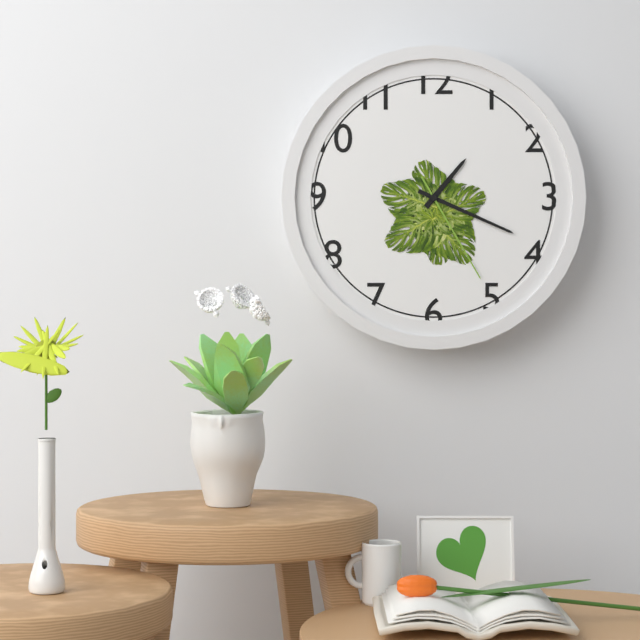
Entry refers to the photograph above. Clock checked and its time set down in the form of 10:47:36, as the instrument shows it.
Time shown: 1:19:25
